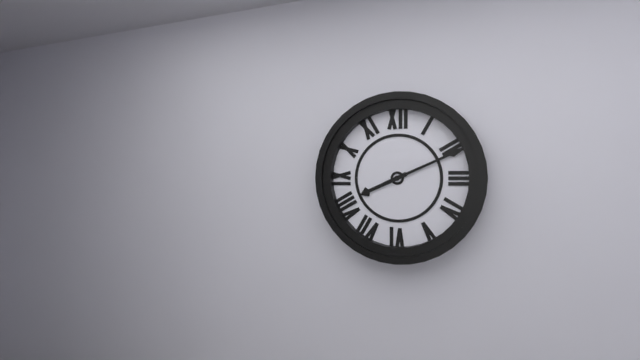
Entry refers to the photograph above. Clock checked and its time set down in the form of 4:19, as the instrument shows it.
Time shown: 8:11
